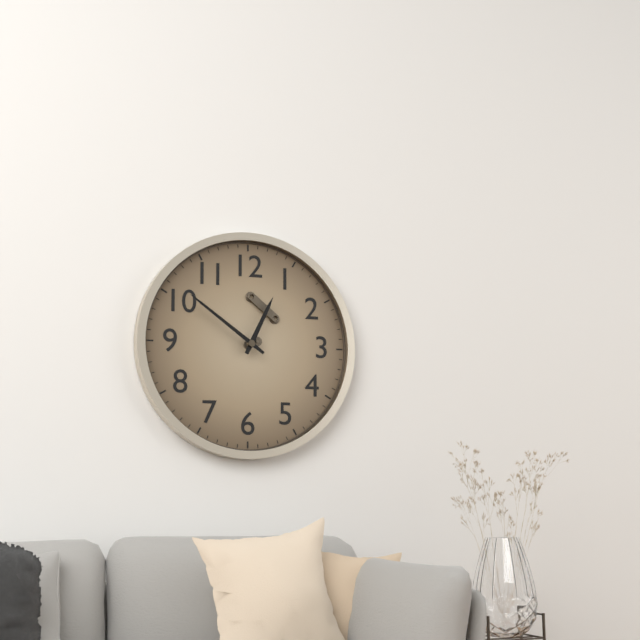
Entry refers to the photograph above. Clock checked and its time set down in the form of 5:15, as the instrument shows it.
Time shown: 12:51
